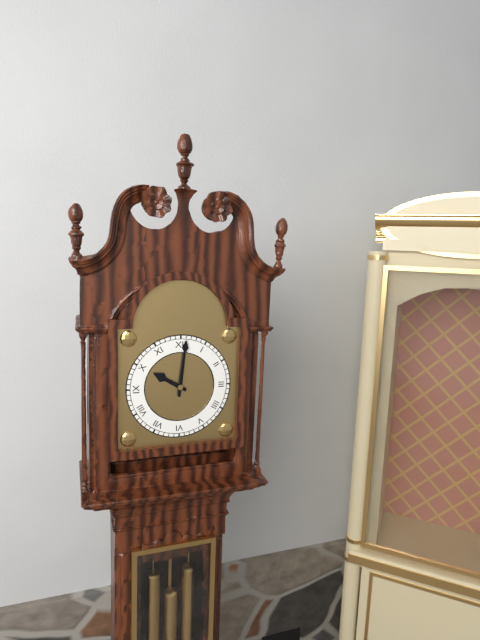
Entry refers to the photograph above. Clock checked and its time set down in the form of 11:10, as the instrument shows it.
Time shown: 10:01
